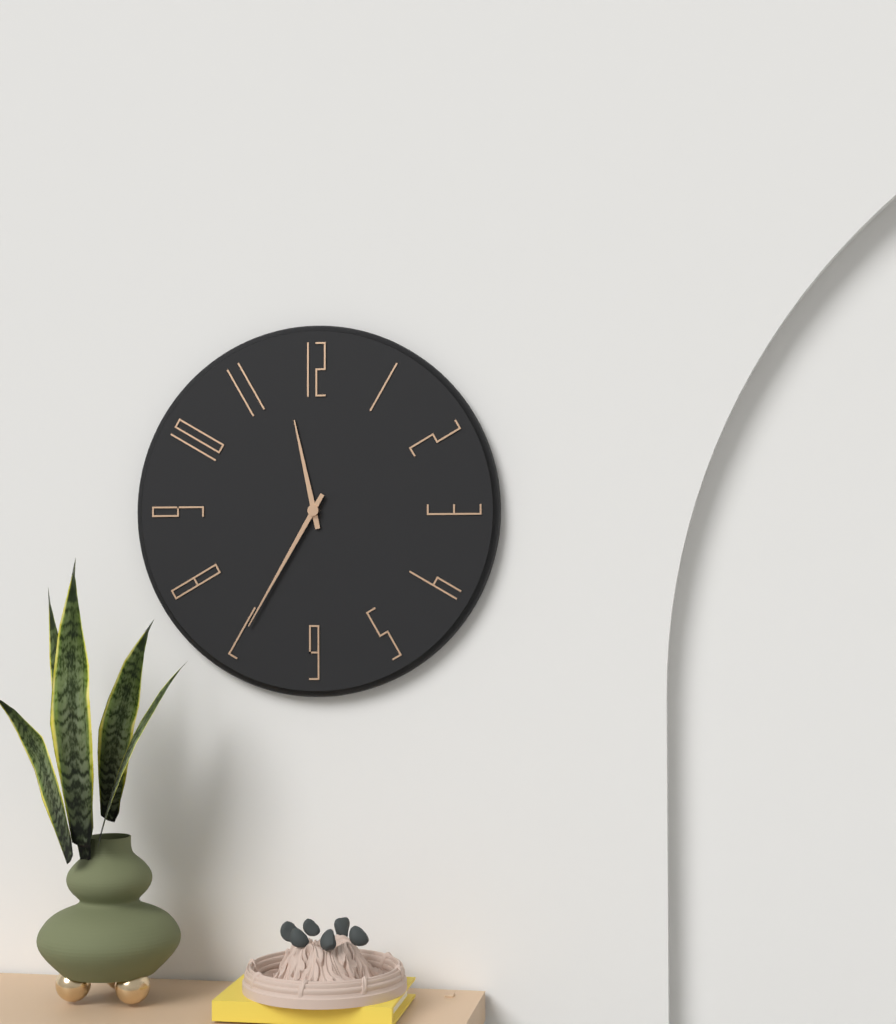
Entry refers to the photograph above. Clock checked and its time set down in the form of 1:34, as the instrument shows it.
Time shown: 11:35
